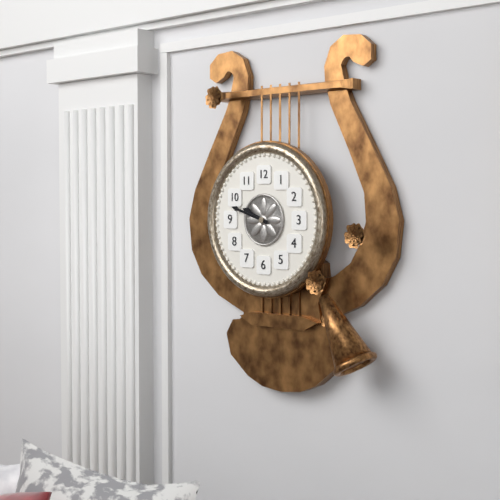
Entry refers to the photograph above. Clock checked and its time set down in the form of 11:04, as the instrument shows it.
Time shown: 9:48
